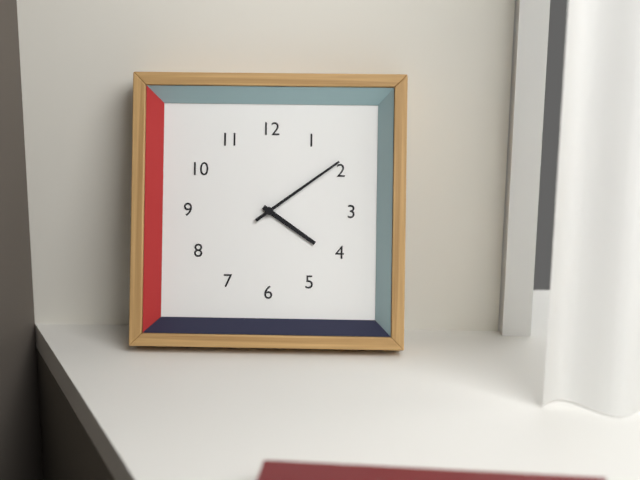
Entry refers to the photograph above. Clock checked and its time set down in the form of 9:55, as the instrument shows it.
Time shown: 4:09
